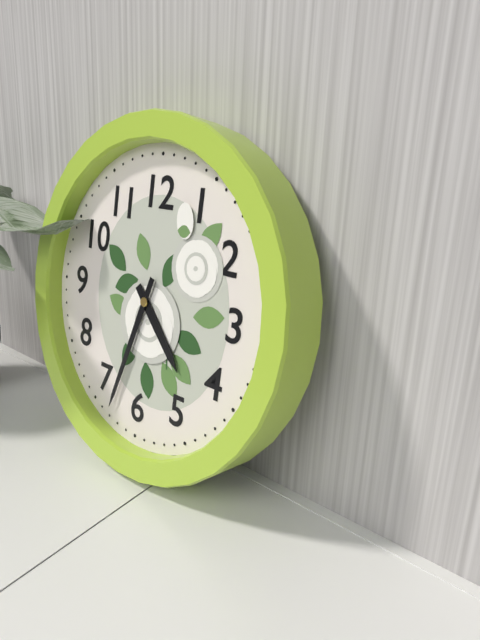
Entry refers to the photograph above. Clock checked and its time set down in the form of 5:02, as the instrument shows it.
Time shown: 4:33
